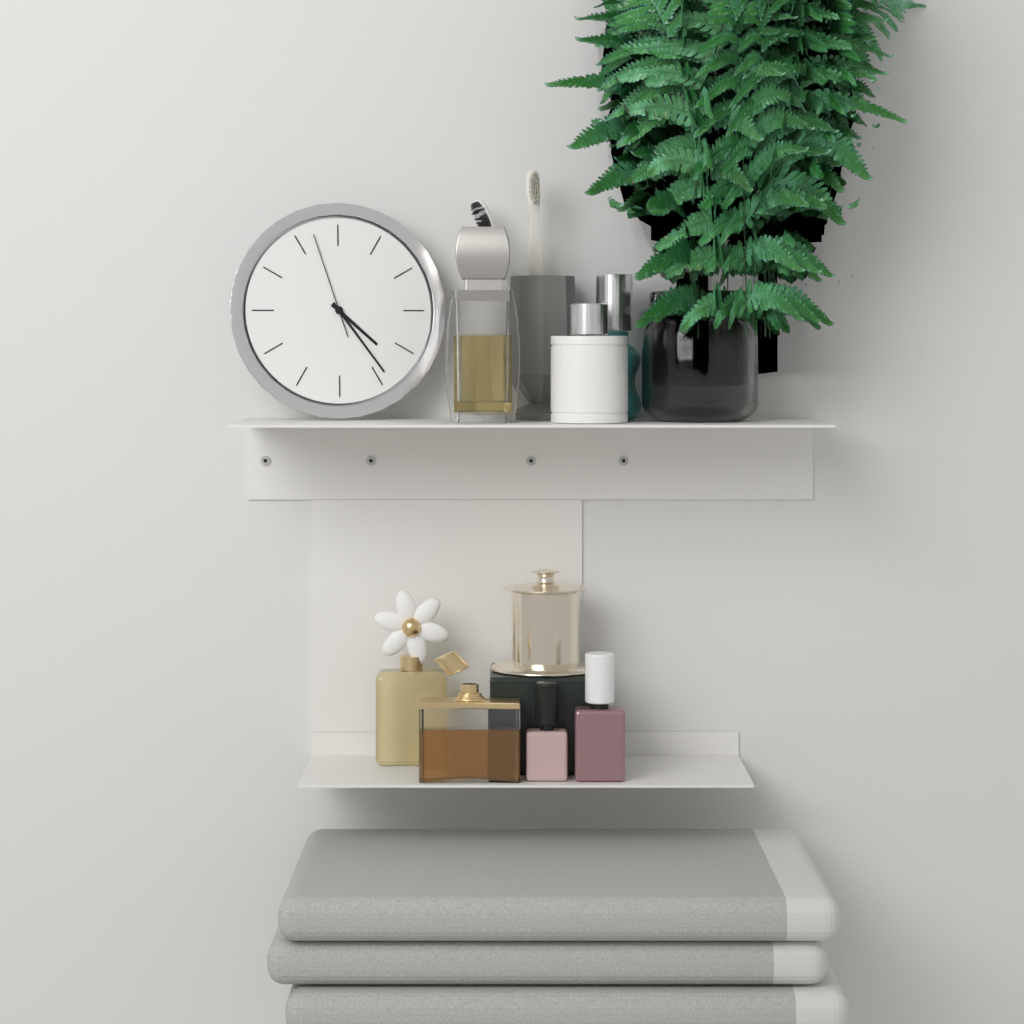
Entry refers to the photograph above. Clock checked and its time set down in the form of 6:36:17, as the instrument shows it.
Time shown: 4:24:57
